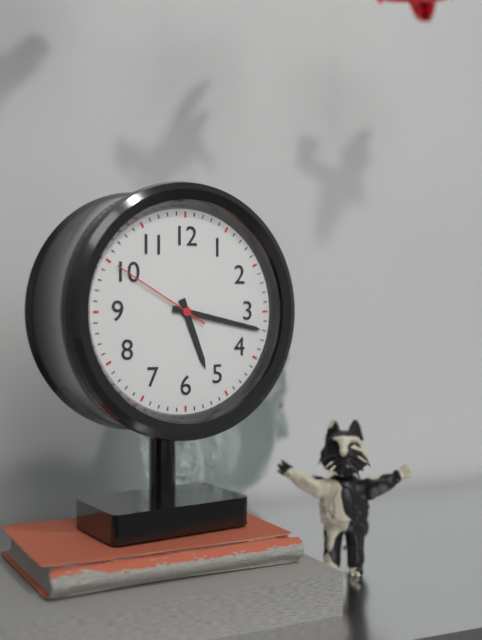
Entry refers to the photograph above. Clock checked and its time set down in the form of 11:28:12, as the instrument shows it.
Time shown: 5:17:50
